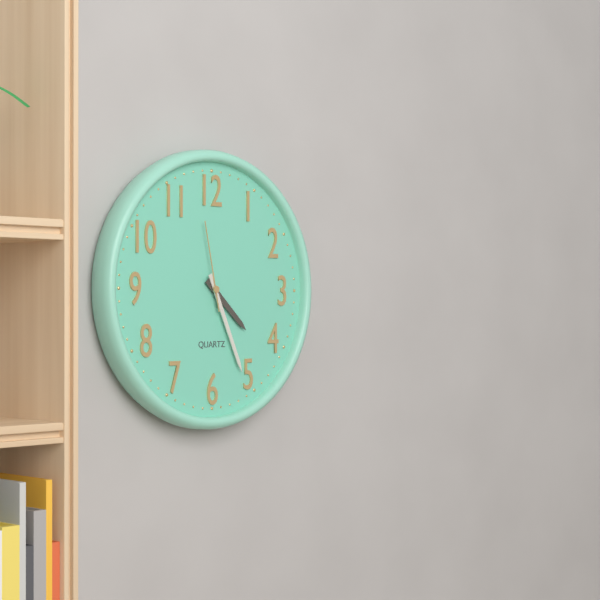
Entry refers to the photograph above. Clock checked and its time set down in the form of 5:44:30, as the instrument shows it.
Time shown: 4:26:58
